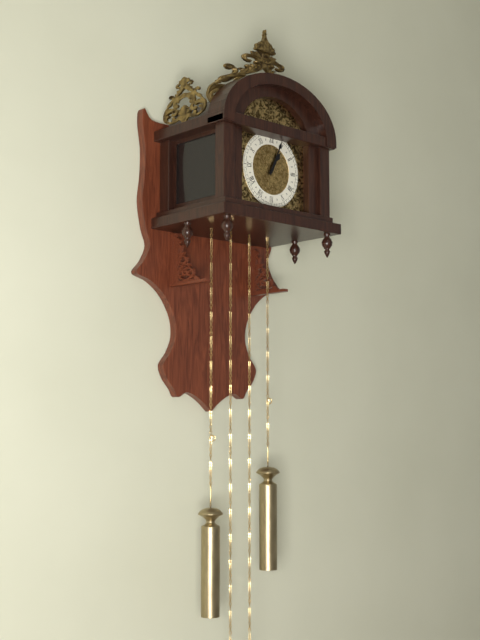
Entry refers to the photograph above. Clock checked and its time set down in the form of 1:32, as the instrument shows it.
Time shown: 1:04
